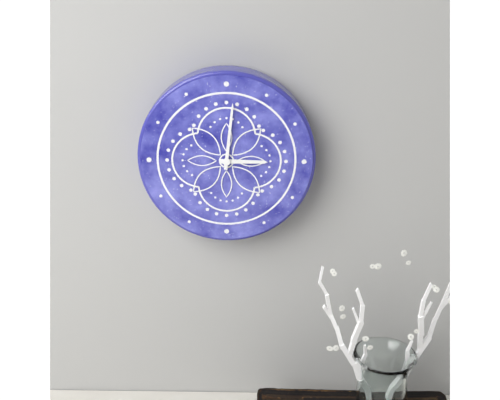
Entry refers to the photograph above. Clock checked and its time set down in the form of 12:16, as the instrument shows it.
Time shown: 3:01
